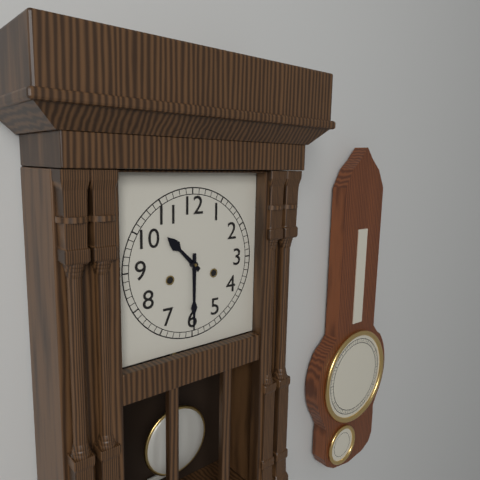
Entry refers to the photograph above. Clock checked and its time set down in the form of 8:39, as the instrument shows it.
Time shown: 10:30
